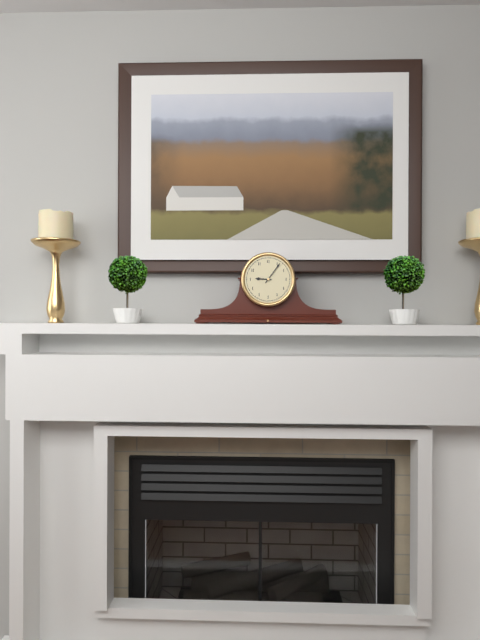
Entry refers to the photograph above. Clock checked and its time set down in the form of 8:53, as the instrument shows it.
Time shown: 9:06
